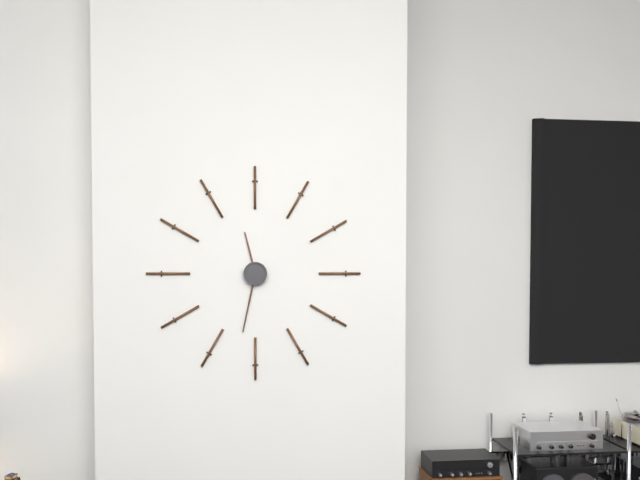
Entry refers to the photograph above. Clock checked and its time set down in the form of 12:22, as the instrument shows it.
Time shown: 11:32
